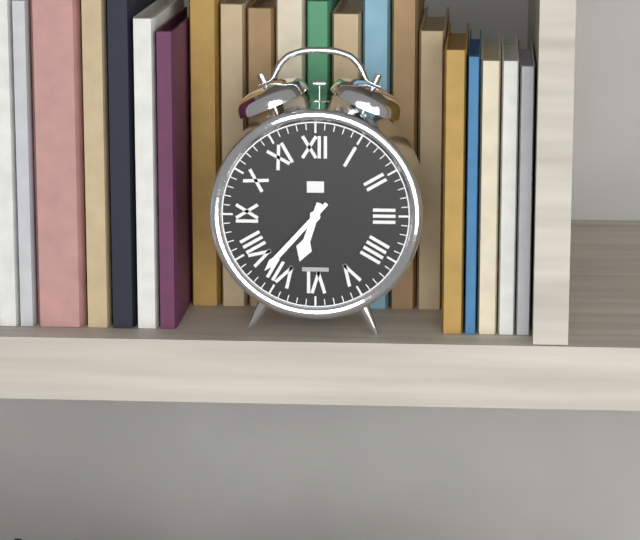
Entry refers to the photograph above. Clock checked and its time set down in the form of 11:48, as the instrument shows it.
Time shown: 6:37
